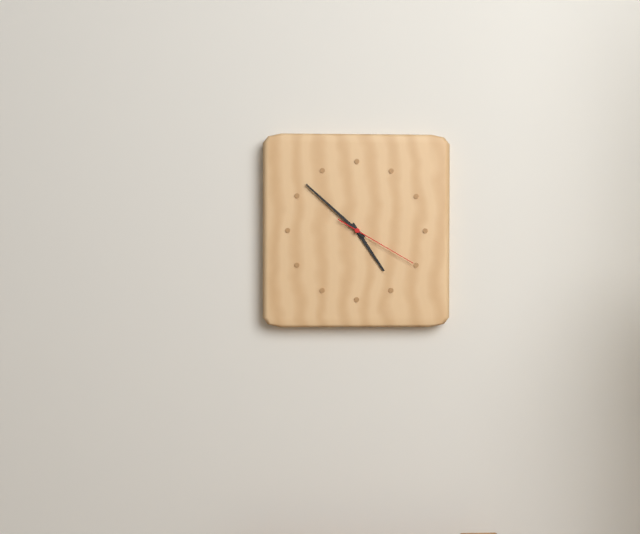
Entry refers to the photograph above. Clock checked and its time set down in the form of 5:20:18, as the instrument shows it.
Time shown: 4:52:20
